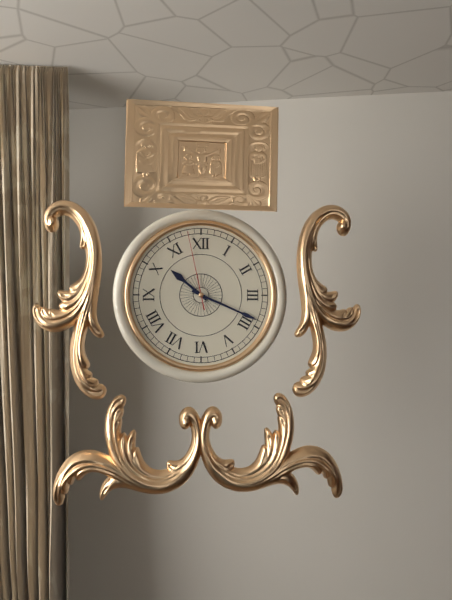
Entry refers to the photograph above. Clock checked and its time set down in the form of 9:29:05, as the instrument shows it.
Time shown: 10:19:58
